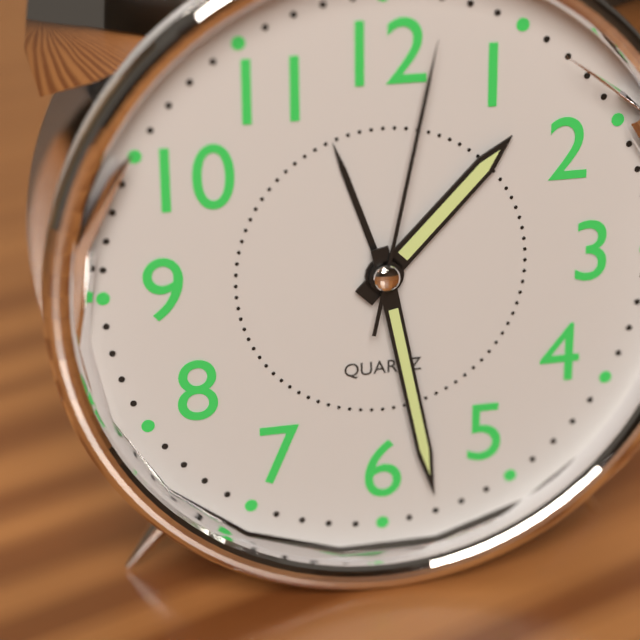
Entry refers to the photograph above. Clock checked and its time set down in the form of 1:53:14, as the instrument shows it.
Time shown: 1:28:02
